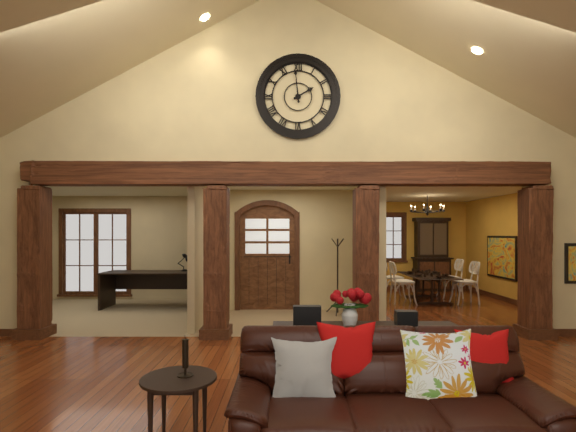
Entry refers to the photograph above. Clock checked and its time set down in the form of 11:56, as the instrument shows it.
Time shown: 1:59
